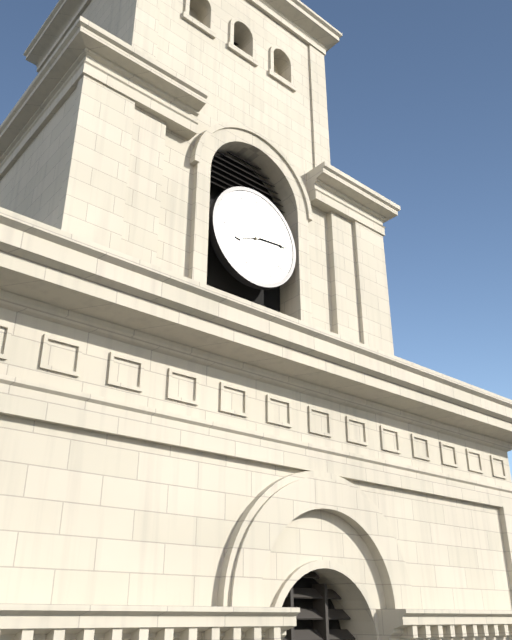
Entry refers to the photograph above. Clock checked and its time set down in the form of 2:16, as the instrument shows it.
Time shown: 8:14
